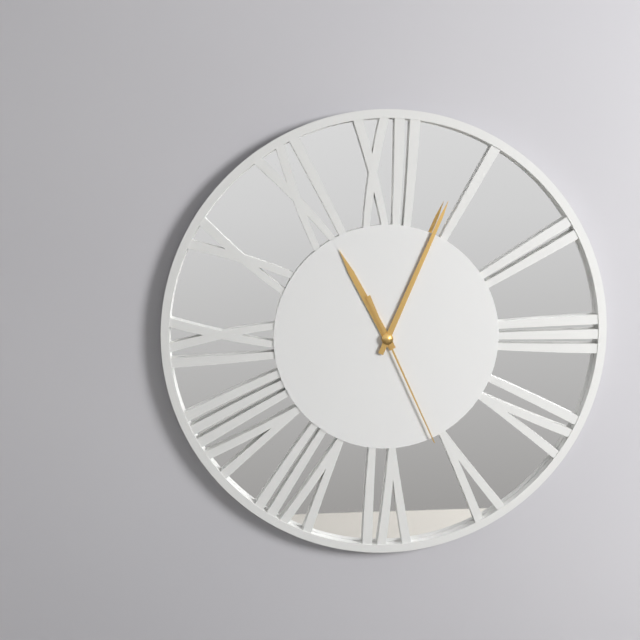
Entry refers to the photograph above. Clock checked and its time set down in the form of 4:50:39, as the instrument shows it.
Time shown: 11:04:26
